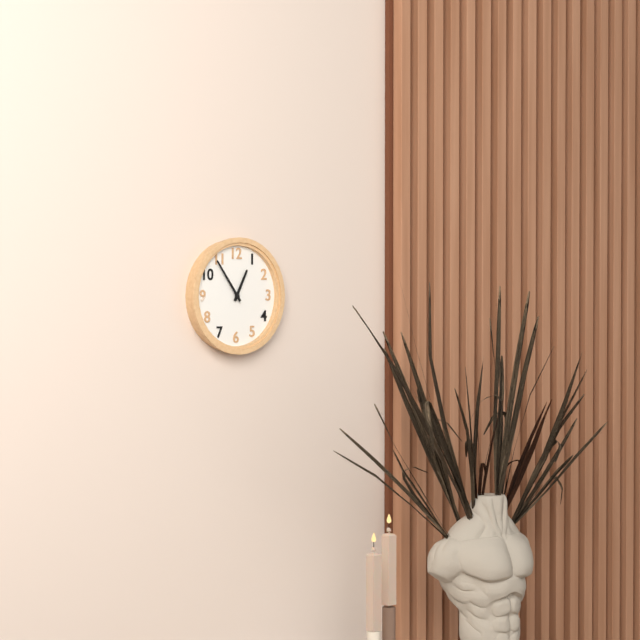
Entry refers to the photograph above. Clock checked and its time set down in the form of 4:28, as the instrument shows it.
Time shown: 12:54
